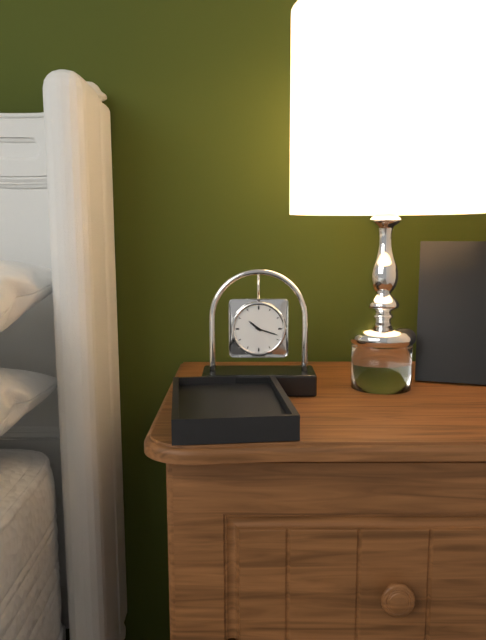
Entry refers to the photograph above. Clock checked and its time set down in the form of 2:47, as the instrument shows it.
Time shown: 10:18
